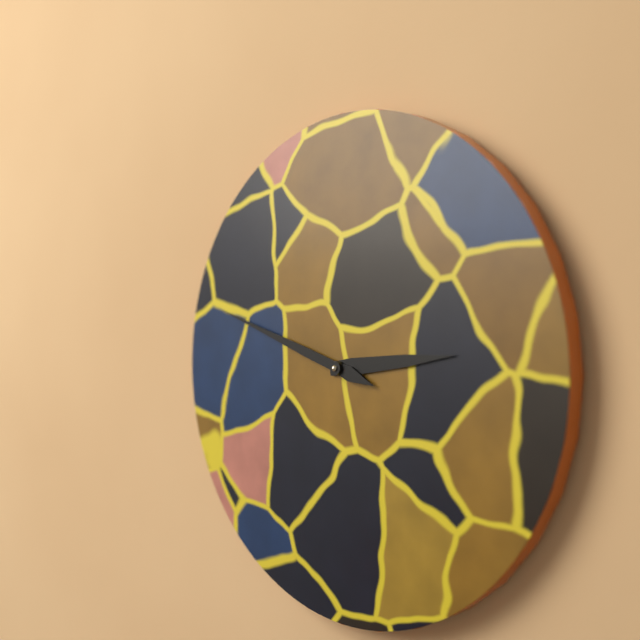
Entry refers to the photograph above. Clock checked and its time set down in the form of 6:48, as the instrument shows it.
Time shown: 2:48
